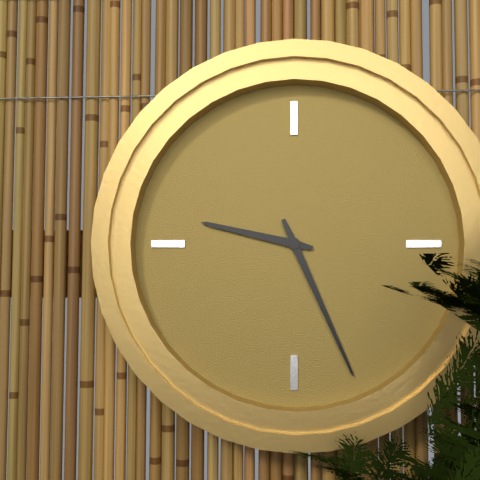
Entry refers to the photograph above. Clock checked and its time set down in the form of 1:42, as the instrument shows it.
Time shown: 9:26
